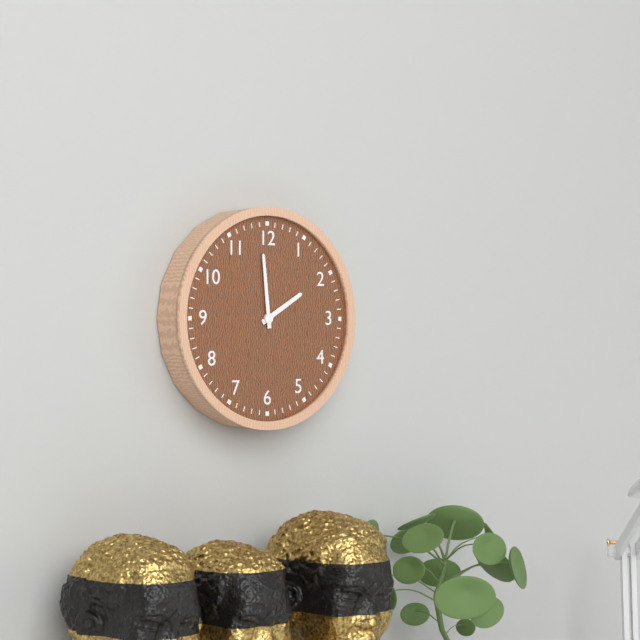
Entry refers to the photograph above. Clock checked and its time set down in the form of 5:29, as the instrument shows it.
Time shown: 1:59
